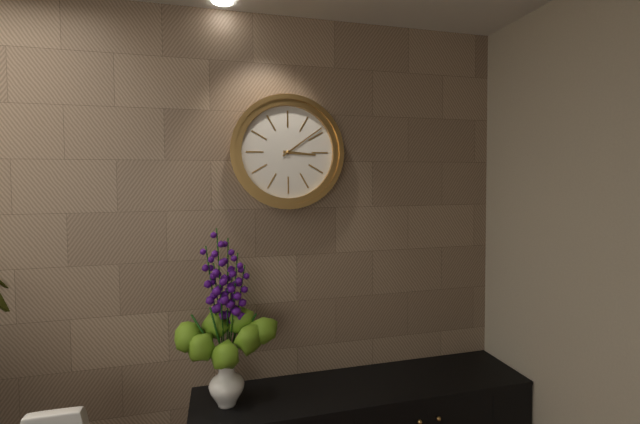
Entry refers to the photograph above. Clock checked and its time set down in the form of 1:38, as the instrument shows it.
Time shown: 3:09
